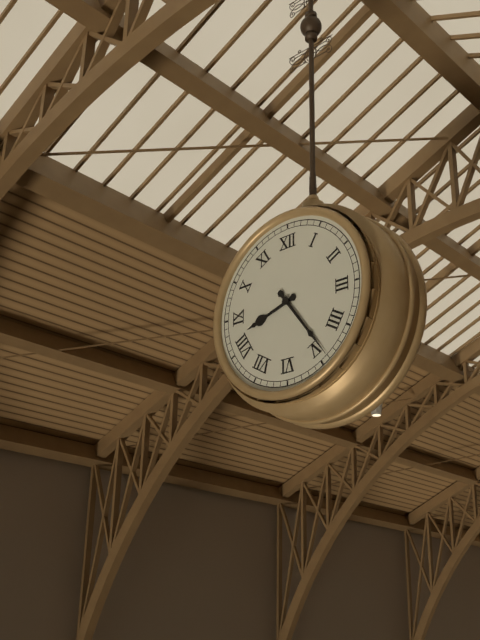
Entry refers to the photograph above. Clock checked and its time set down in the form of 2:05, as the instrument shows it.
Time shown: 8:24
